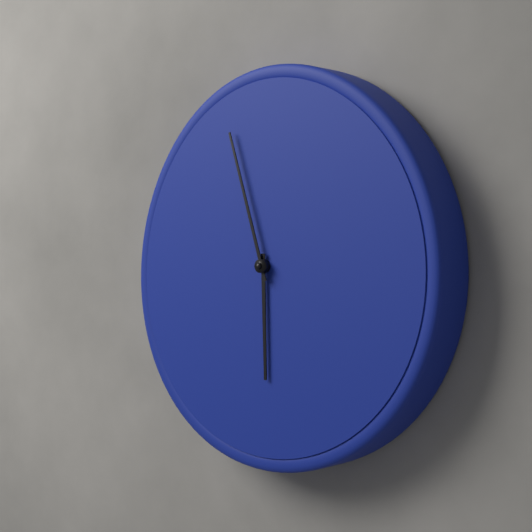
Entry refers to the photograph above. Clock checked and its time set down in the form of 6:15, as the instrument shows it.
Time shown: 5:57
